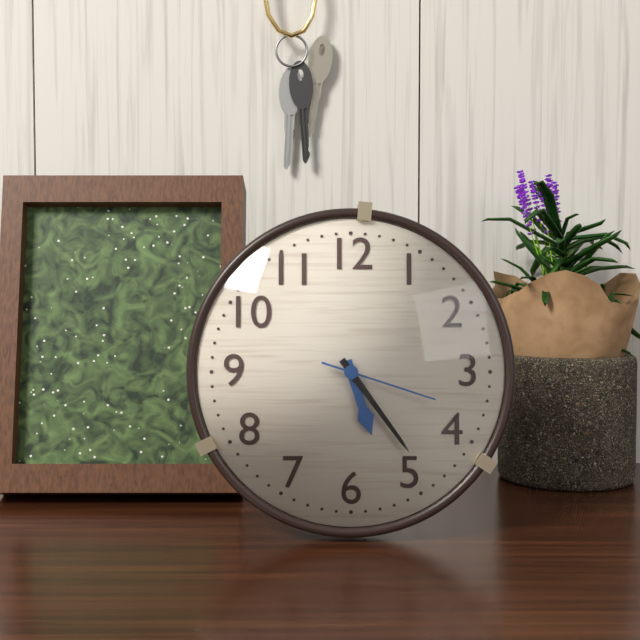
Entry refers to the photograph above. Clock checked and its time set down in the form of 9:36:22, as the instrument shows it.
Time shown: 5:24:18
